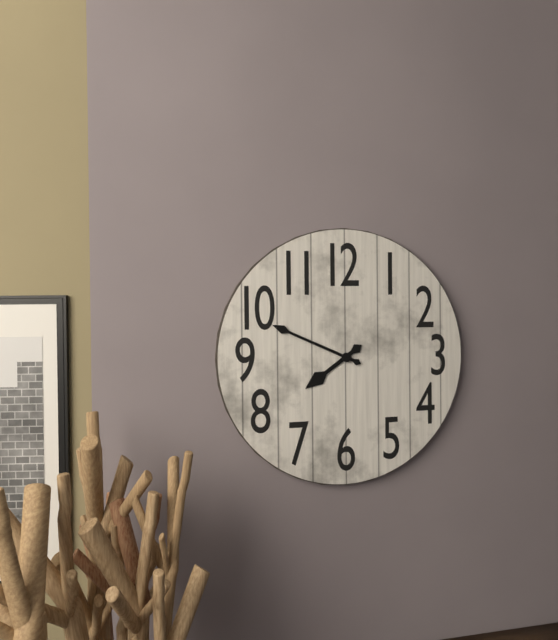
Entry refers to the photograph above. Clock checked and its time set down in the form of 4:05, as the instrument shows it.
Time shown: 7:49
